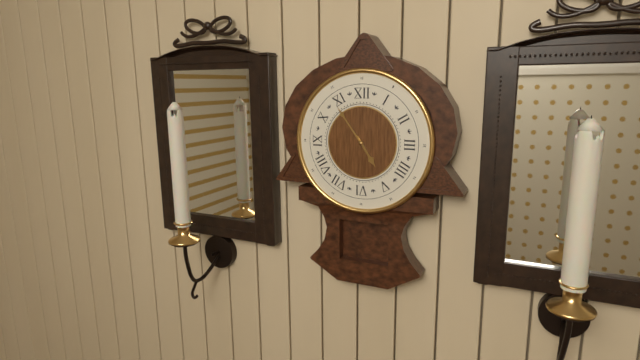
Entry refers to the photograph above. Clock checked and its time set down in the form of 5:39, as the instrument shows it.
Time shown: 4:54
